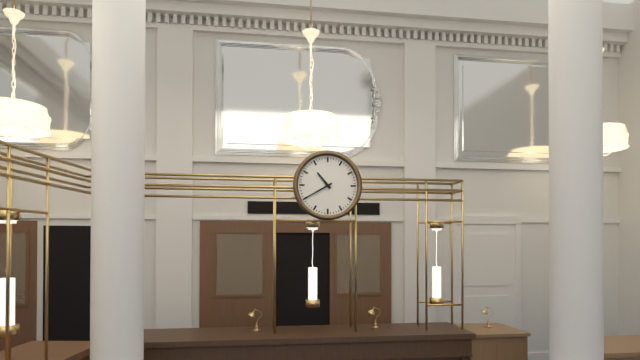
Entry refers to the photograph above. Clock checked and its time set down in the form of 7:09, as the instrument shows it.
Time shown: 10:40
